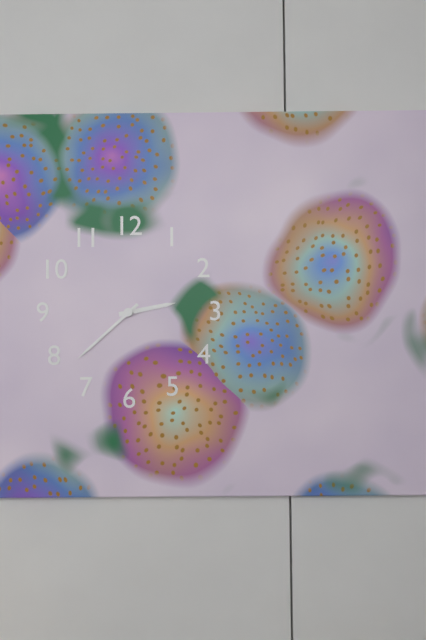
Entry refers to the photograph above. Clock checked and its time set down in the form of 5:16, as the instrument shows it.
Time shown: 2:38
